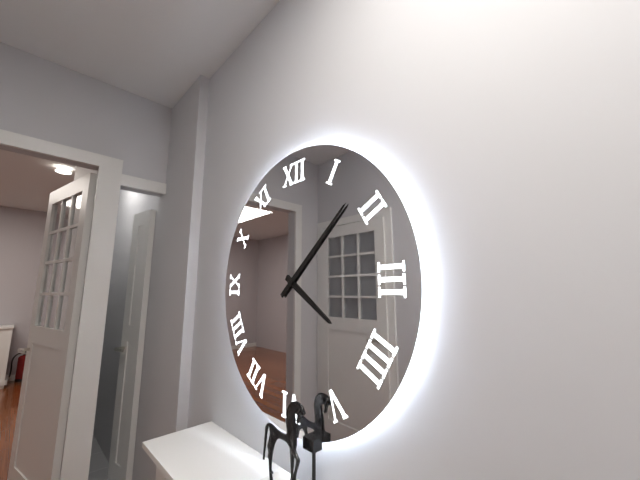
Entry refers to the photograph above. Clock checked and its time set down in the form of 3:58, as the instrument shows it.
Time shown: 4:08
